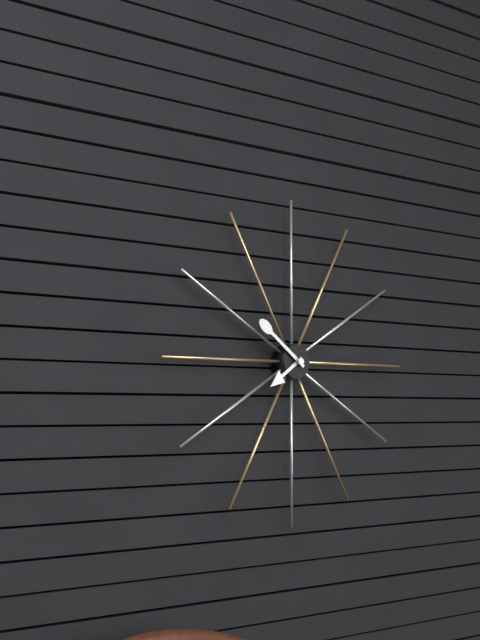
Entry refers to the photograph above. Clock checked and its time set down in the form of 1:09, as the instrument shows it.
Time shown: 7:51
